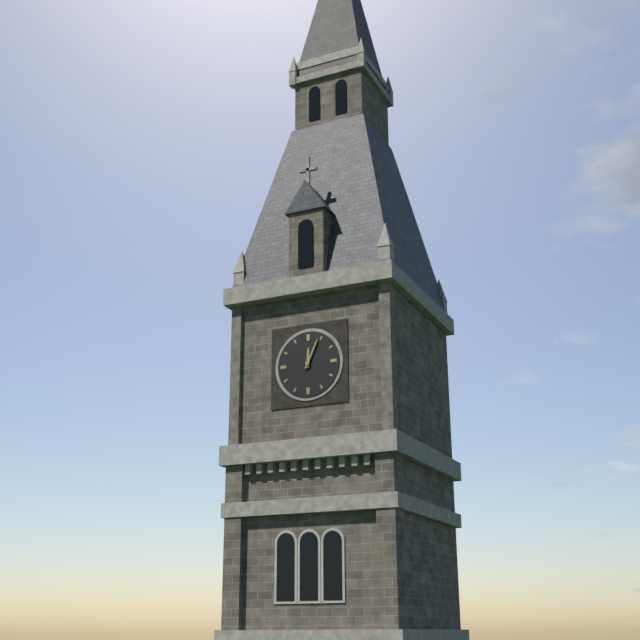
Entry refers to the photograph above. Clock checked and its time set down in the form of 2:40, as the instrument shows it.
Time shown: 12:04
